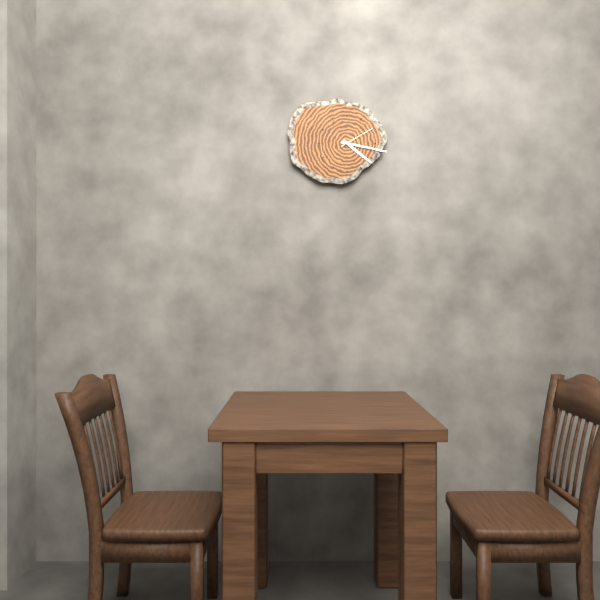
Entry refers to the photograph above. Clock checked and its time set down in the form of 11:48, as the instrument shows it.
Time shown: 4:17
